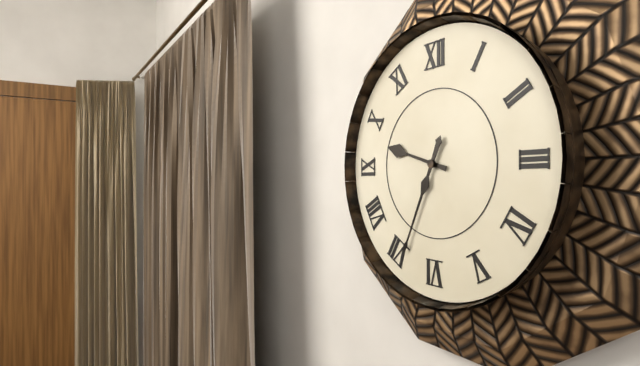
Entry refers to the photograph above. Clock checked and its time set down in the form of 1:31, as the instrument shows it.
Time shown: 9:34
